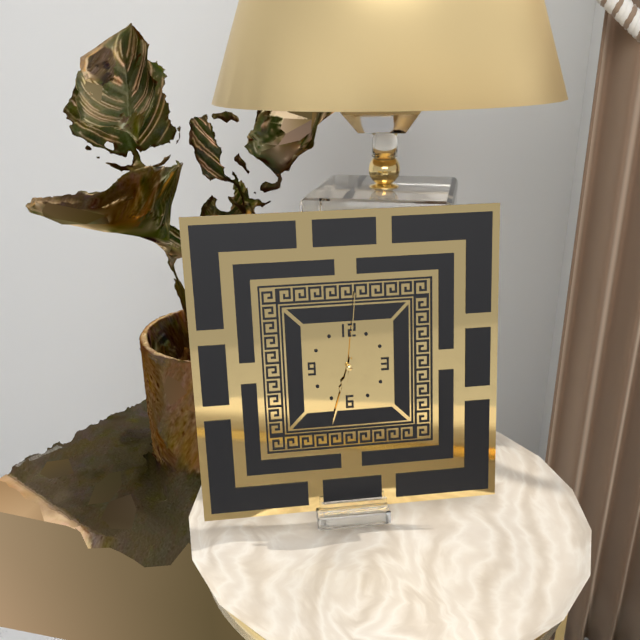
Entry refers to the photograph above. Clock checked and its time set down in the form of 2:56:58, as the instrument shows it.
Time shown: 6:33:01
